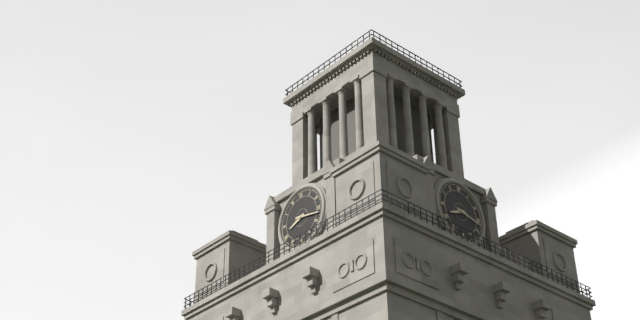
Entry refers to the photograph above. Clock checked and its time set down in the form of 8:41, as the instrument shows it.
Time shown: 8:17
